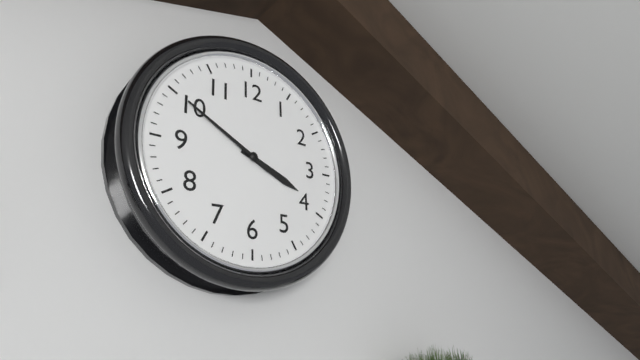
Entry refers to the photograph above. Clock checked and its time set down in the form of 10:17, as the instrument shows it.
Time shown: 3:50
